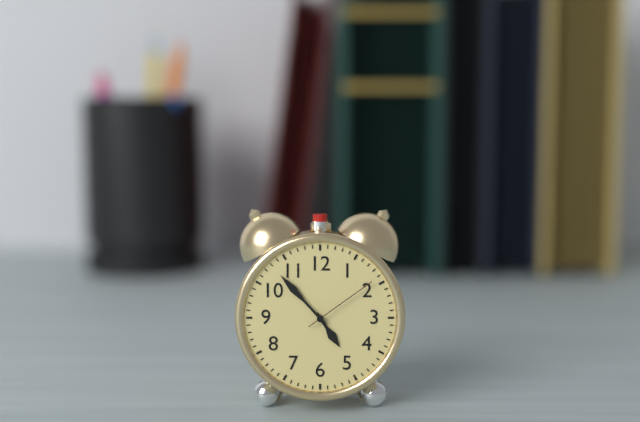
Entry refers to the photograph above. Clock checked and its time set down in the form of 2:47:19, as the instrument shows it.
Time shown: 4:53:09
